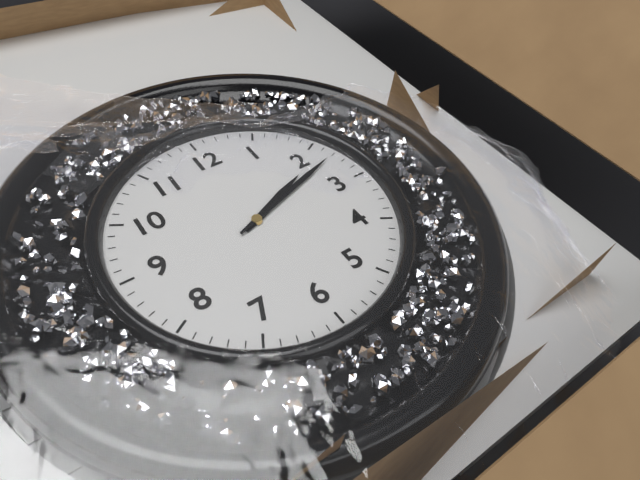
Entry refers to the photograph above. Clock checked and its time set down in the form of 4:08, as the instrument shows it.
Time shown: 2:12
